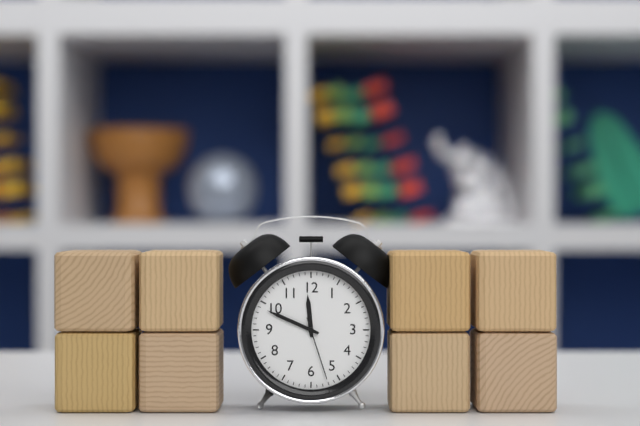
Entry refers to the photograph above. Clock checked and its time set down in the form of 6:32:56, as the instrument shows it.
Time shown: 11:49:27
